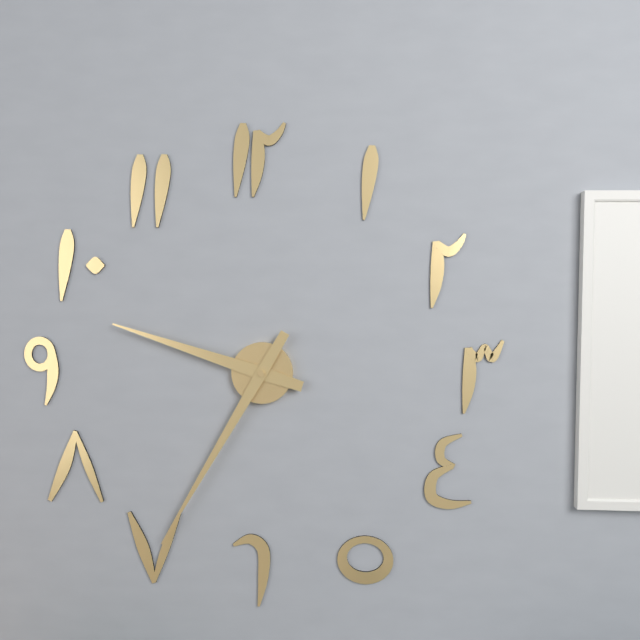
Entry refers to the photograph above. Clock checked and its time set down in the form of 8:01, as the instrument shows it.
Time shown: 9:35
